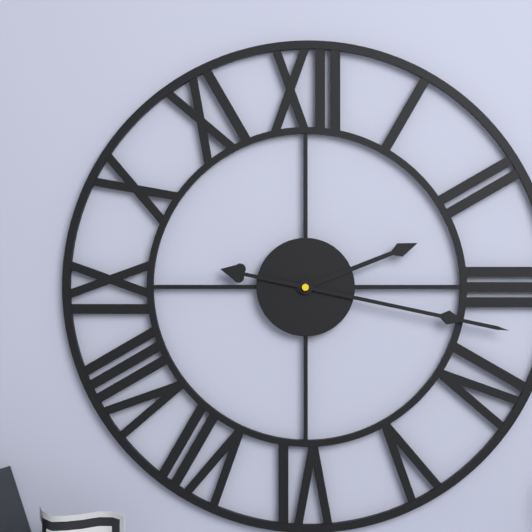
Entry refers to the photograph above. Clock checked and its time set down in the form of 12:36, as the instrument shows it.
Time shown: 2:17
